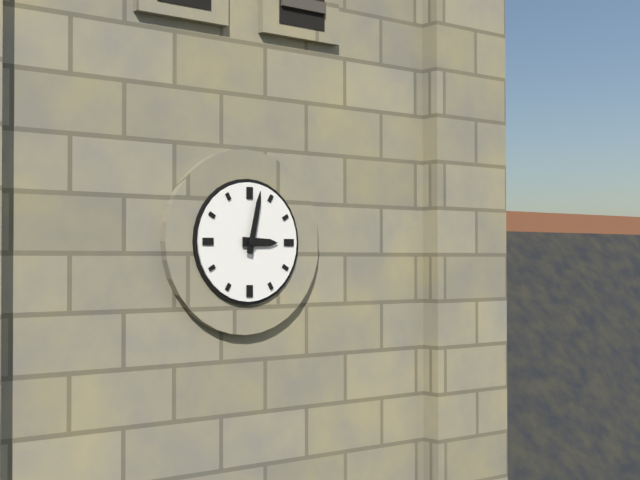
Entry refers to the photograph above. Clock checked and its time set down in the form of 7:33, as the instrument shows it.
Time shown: 3:02
